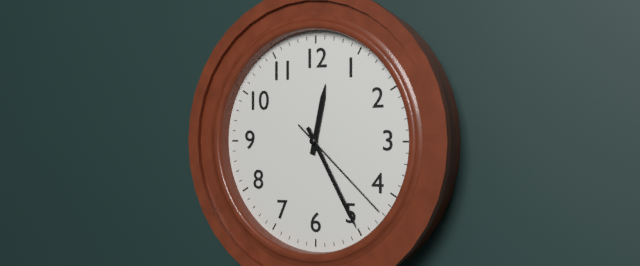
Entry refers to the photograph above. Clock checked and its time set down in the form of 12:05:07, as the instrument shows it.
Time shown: 12:25:22
